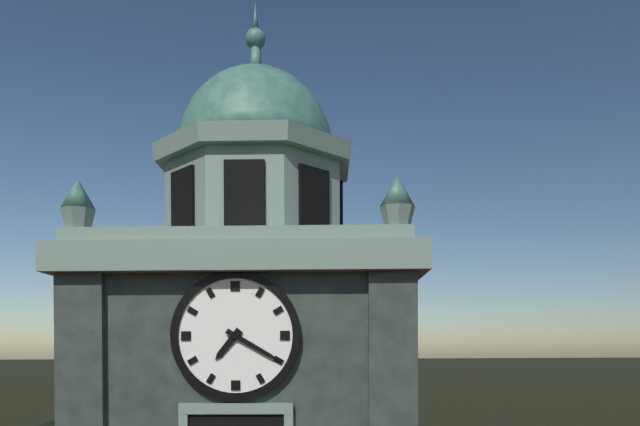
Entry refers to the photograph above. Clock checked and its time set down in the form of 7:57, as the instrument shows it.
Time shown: 7:20
